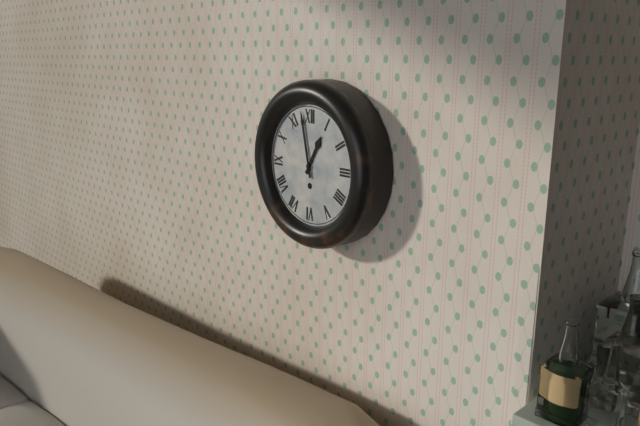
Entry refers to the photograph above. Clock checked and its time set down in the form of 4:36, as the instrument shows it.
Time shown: 12:58
